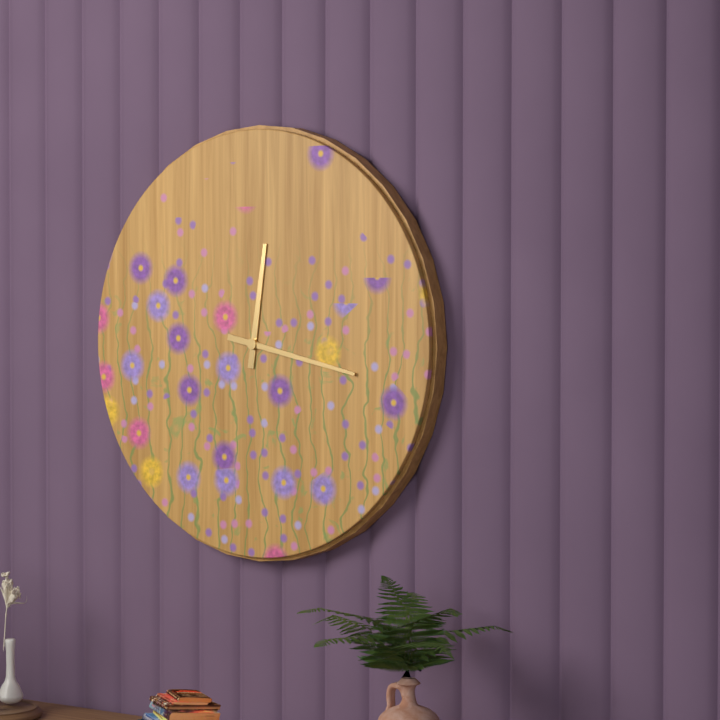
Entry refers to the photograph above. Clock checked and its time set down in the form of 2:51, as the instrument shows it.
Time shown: 12:17
